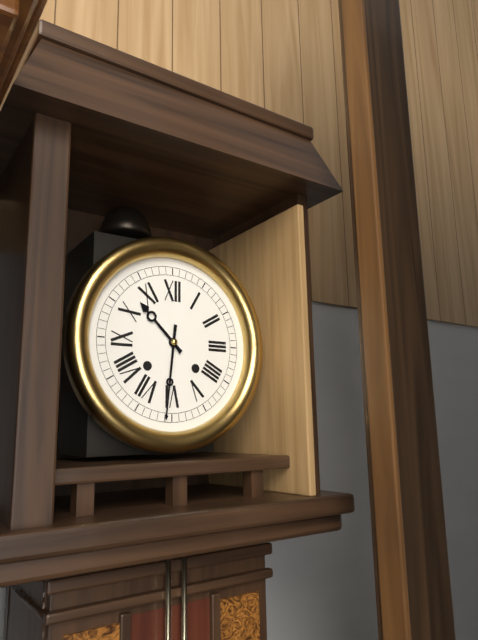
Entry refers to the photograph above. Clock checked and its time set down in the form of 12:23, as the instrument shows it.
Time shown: 10:31
